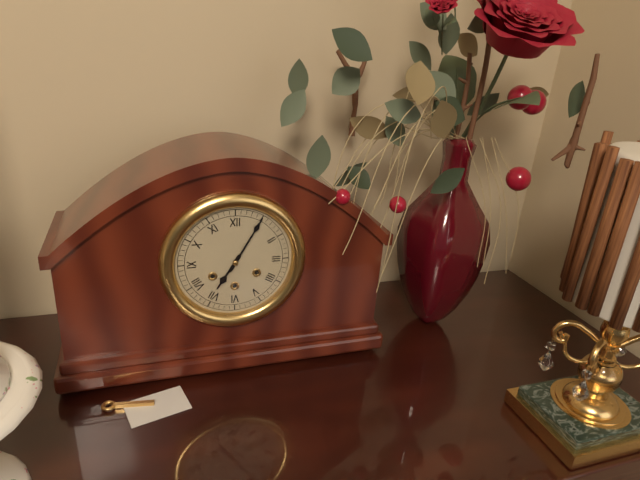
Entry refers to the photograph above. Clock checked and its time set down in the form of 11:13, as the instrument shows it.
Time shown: 7:05
